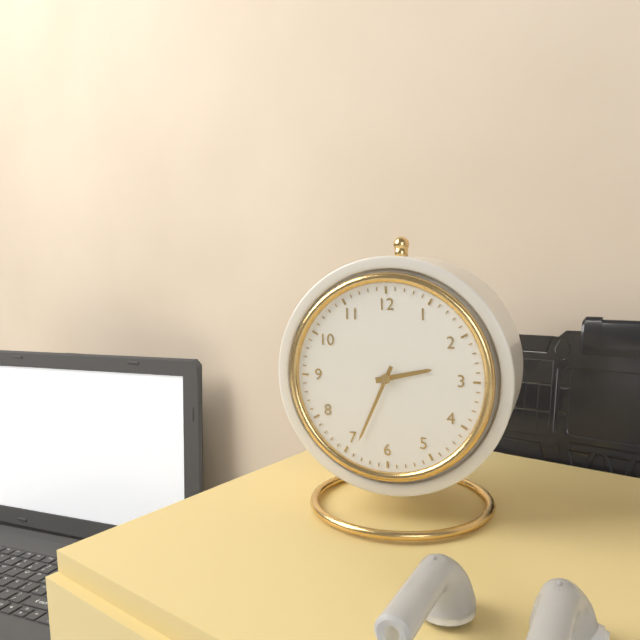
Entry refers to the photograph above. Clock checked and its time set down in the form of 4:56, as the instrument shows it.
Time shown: 2:34
